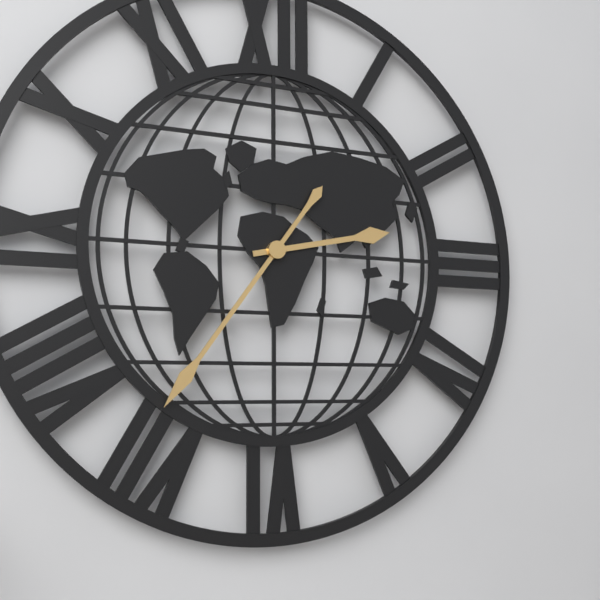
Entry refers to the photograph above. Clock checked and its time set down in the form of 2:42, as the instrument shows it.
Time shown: 2:36
